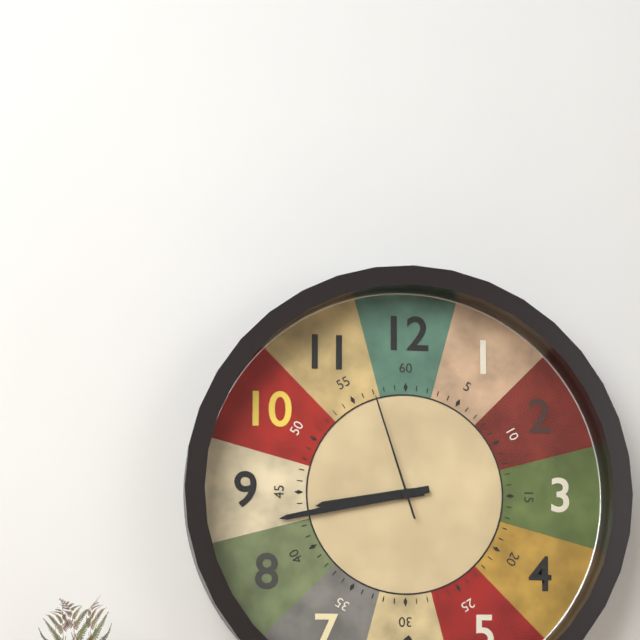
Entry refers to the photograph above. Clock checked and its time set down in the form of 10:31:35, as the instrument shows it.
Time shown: 8:43:57
